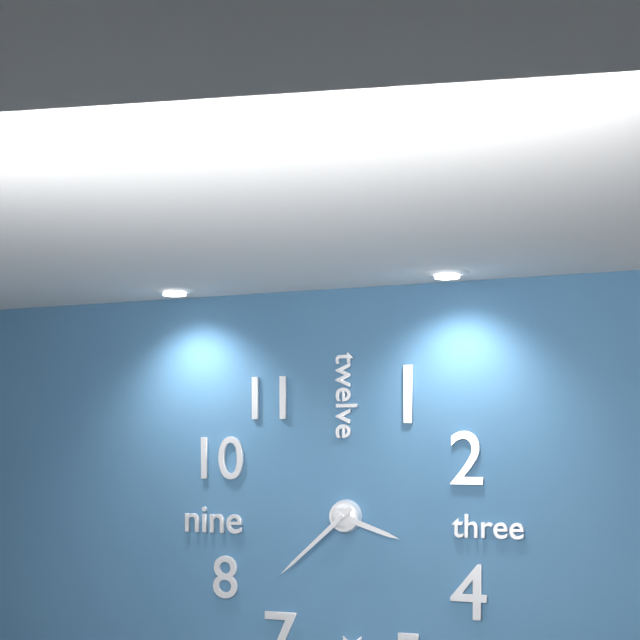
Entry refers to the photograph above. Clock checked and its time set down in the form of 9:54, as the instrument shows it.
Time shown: 3:38
